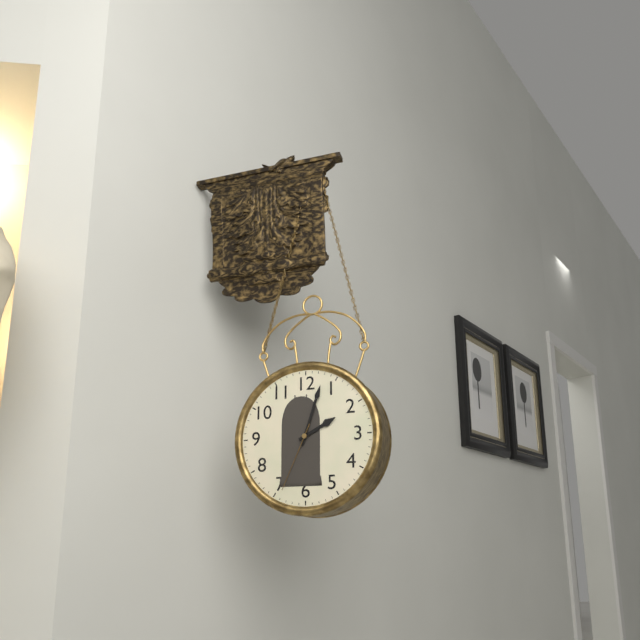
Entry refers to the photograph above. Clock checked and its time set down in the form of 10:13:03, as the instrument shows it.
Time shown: 2:03:34
